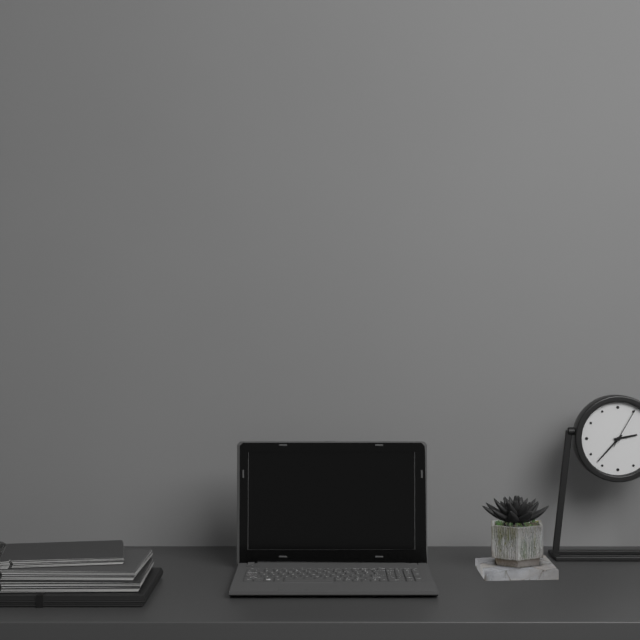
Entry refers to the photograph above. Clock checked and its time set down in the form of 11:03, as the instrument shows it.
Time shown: 2:37
